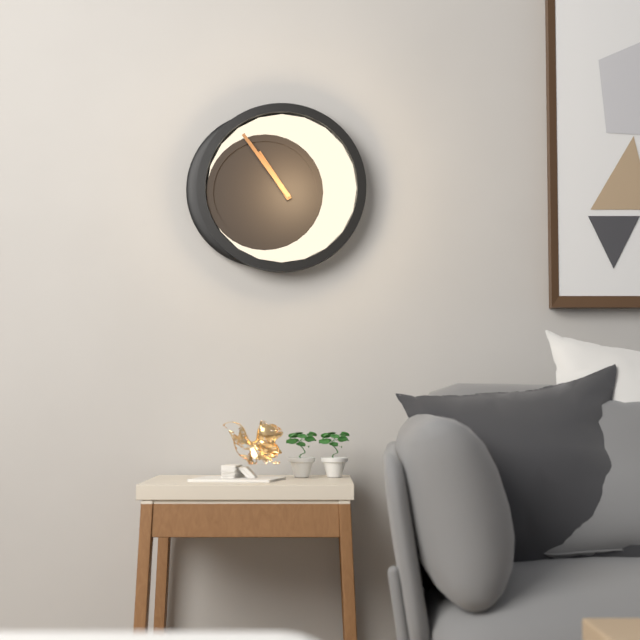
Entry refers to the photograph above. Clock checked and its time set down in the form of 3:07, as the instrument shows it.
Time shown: 10:54
